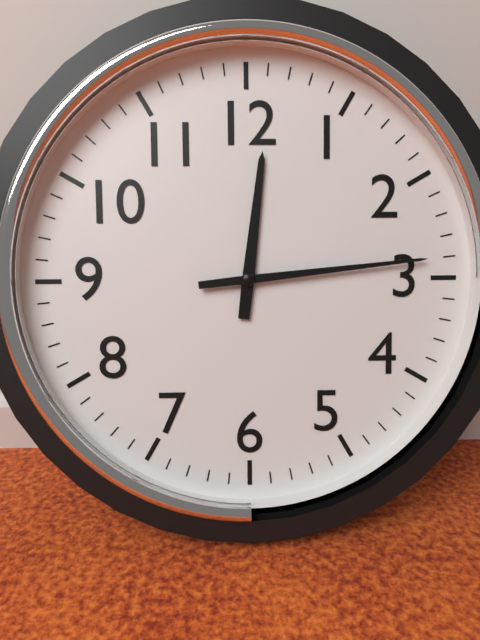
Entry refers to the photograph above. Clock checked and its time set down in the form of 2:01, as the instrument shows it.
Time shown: 12:14
